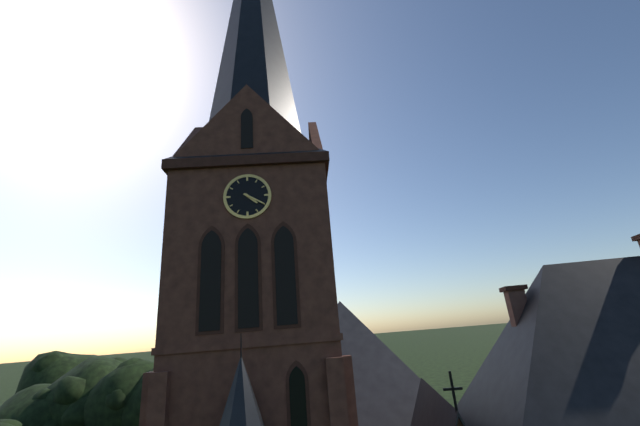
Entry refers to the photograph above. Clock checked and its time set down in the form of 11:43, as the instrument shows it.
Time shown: 4:20
